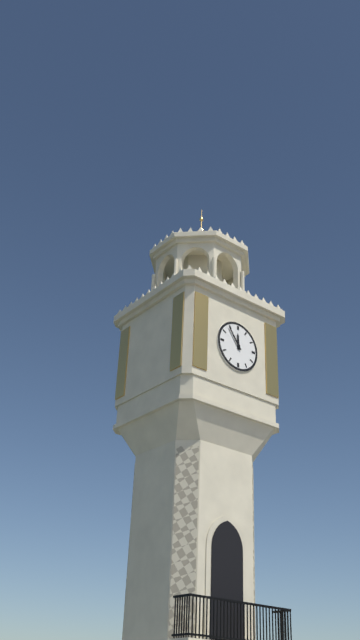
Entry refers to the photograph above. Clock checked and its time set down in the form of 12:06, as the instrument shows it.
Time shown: 11:54
